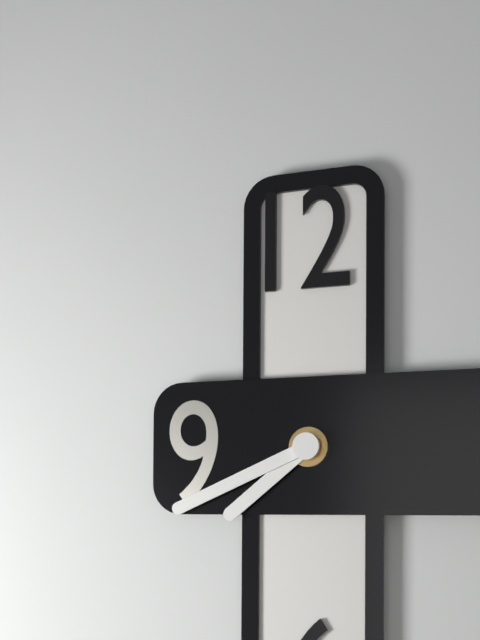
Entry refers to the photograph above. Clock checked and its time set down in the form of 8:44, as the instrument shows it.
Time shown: 7:41
